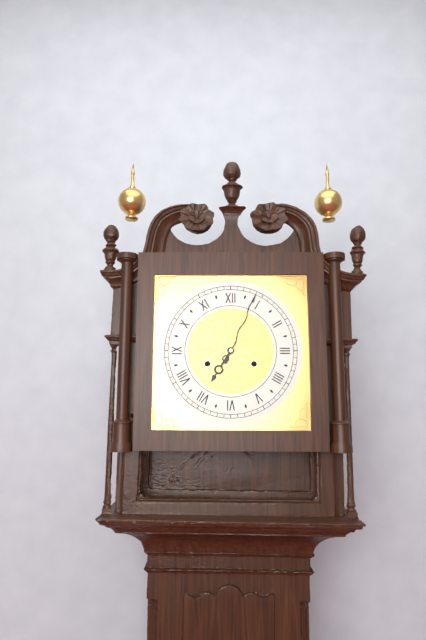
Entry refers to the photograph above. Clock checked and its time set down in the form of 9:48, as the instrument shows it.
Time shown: 7:04
